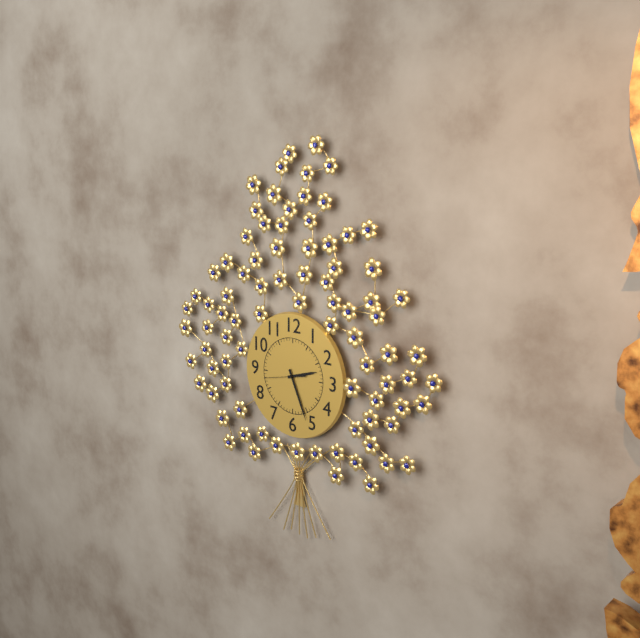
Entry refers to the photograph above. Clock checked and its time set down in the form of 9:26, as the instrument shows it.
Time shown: 2:26
